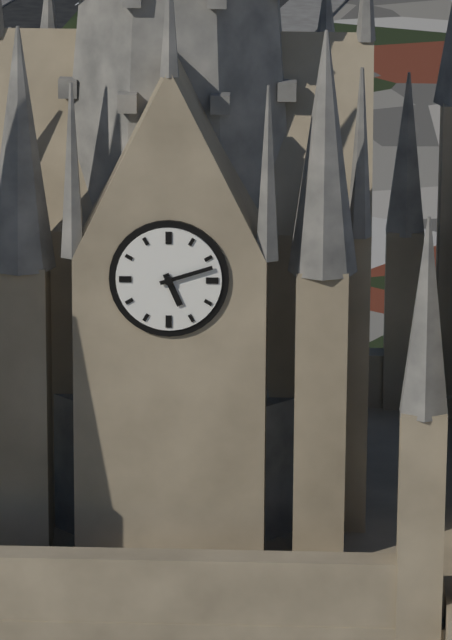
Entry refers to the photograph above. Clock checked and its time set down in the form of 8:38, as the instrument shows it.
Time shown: 5:12
